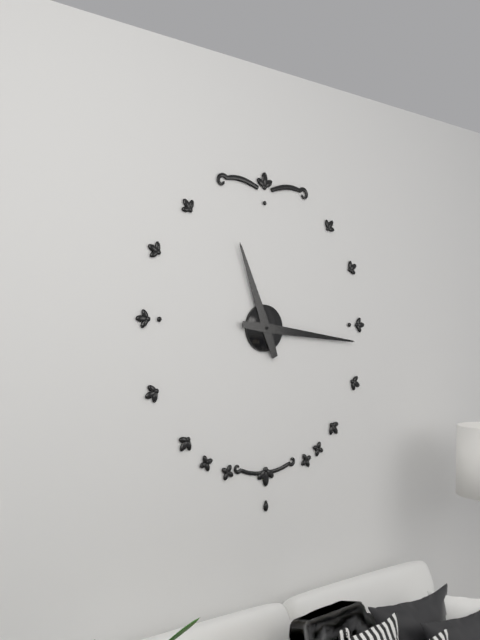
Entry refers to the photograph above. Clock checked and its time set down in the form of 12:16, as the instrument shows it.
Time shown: 11:16
